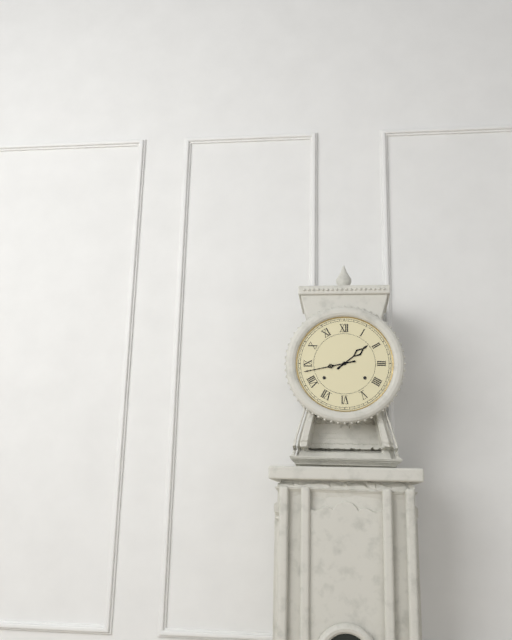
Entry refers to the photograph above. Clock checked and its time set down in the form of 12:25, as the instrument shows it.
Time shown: 1:43
